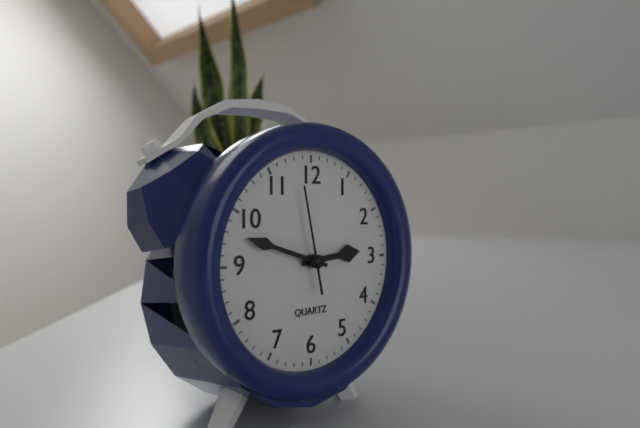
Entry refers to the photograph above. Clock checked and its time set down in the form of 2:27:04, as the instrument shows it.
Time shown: 2:48:58
